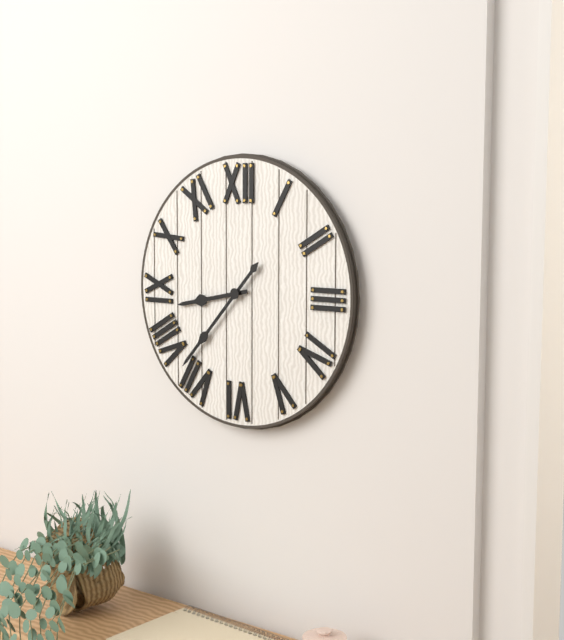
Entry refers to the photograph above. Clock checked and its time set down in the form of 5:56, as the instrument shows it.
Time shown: 8:37
